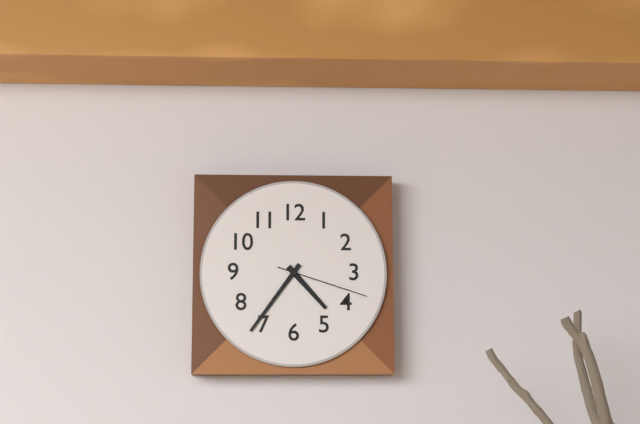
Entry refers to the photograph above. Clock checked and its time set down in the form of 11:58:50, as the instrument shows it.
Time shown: 4:36:18
